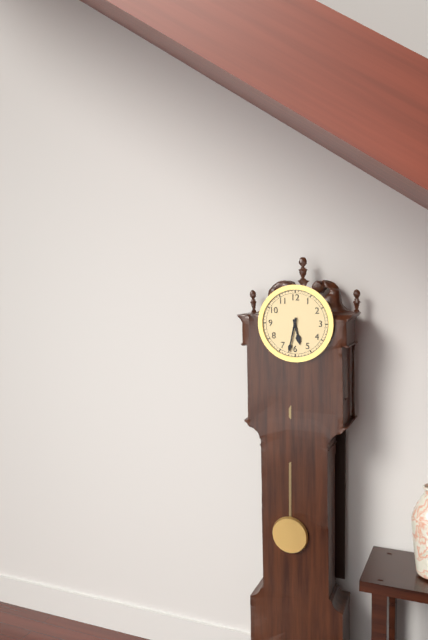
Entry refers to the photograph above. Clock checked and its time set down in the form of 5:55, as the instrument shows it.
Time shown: 5:32
